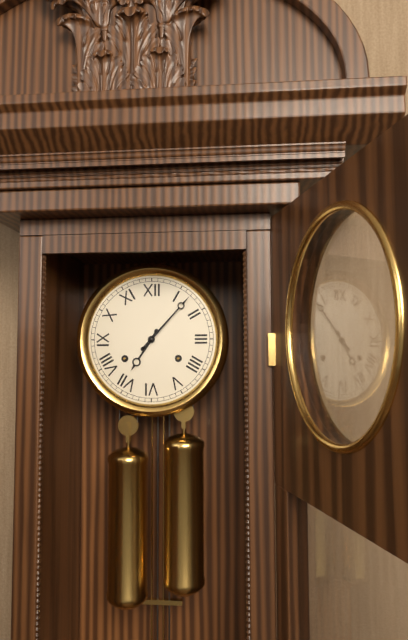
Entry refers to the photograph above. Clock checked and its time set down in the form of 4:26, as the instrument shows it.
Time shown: 7:07
